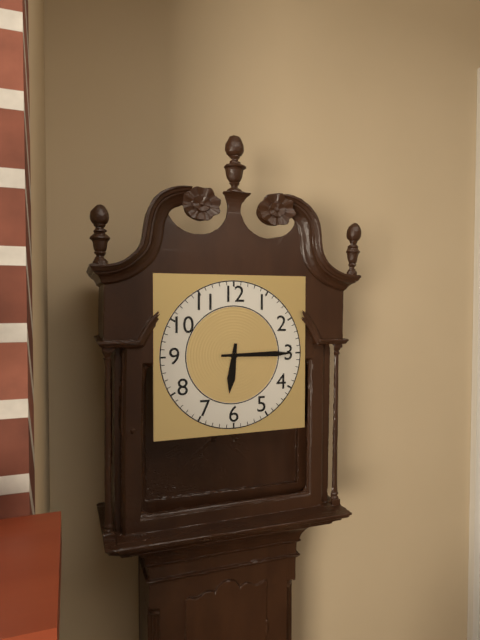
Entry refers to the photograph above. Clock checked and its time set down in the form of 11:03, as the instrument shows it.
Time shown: 6:15
